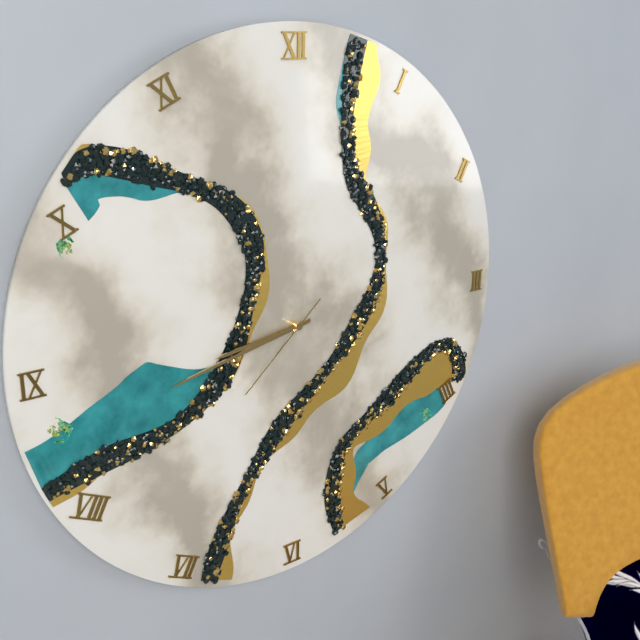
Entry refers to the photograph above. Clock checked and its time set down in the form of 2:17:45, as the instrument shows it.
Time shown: 8:43:38
